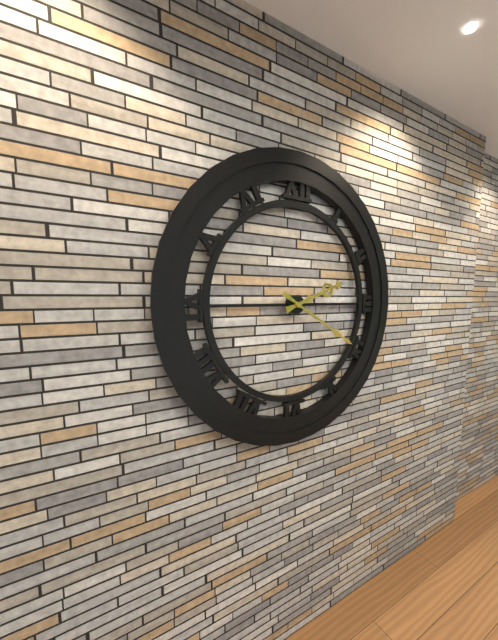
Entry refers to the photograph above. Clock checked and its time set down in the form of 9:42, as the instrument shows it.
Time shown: 2:20
